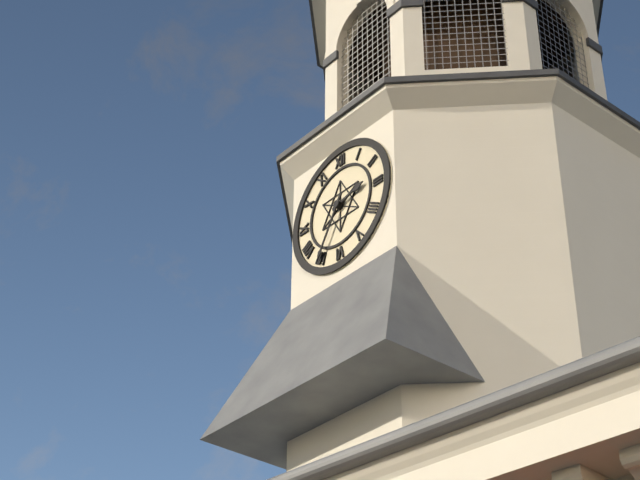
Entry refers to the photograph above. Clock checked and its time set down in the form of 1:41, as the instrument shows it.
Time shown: 2:35
